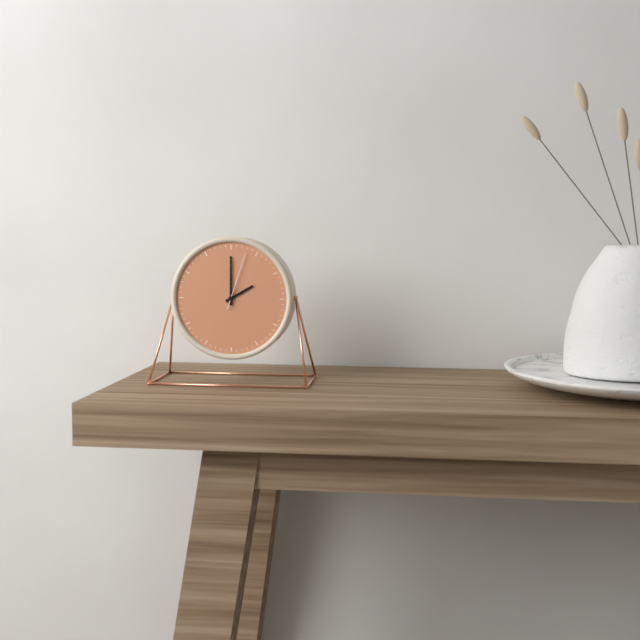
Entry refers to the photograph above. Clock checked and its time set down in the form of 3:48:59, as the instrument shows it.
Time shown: 2:00:03
